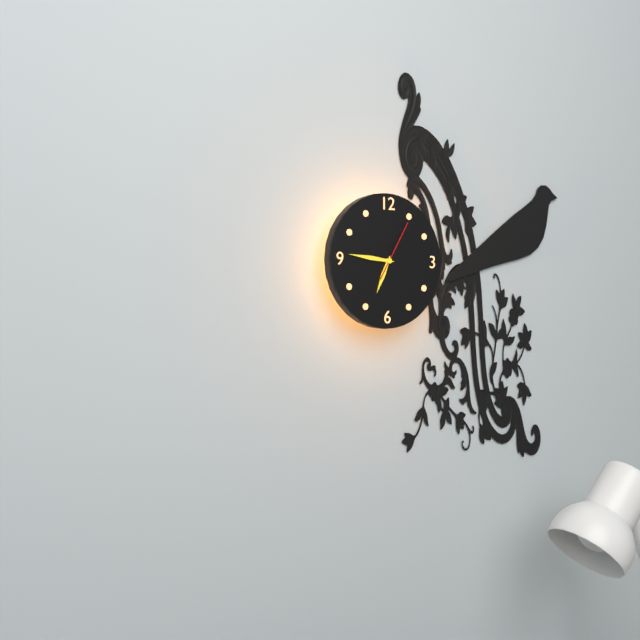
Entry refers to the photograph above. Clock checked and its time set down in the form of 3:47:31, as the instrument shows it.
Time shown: 6:46:05
